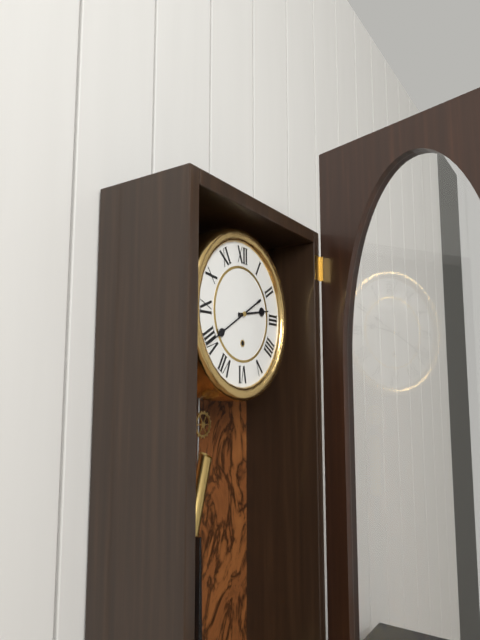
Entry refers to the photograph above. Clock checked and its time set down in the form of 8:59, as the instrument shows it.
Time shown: 2:40
